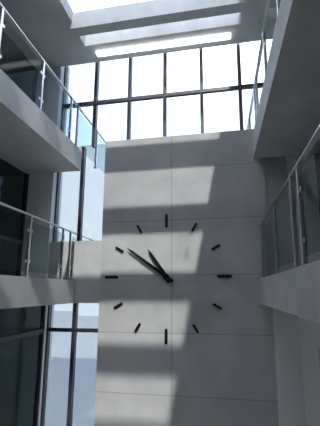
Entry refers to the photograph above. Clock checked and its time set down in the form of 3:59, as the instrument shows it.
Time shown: 10:51
